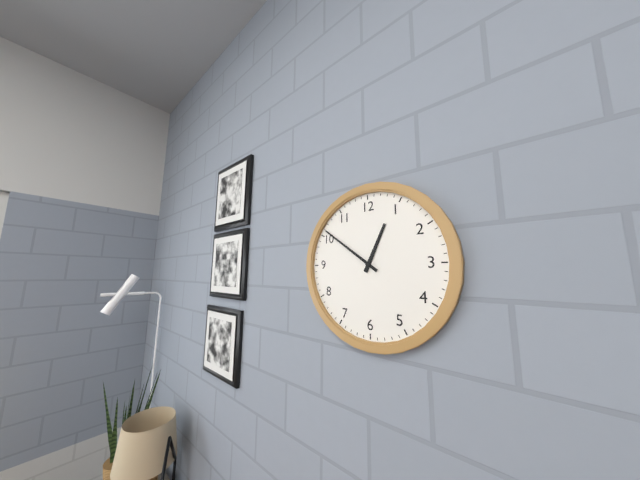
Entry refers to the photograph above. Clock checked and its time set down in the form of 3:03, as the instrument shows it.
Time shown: 12:51
